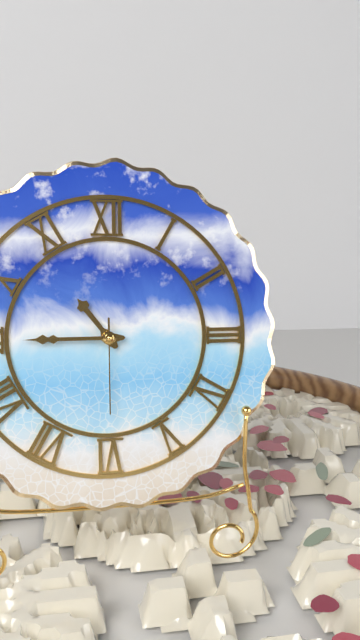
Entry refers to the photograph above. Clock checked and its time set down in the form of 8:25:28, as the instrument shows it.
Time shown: 10:45:30
